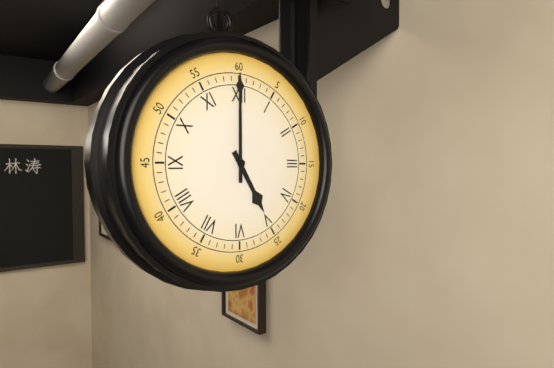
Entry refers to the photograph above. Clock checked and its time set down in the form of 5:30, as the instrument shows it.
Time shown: 5:00
